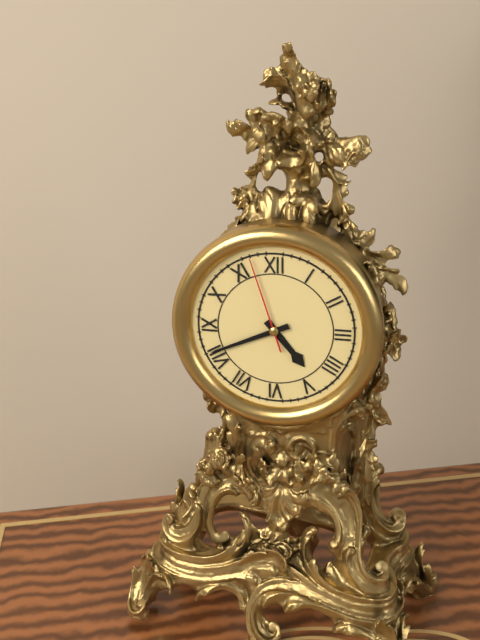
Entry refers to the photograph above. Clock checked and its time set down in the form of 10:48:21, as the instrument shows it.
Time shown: 4:41:57
